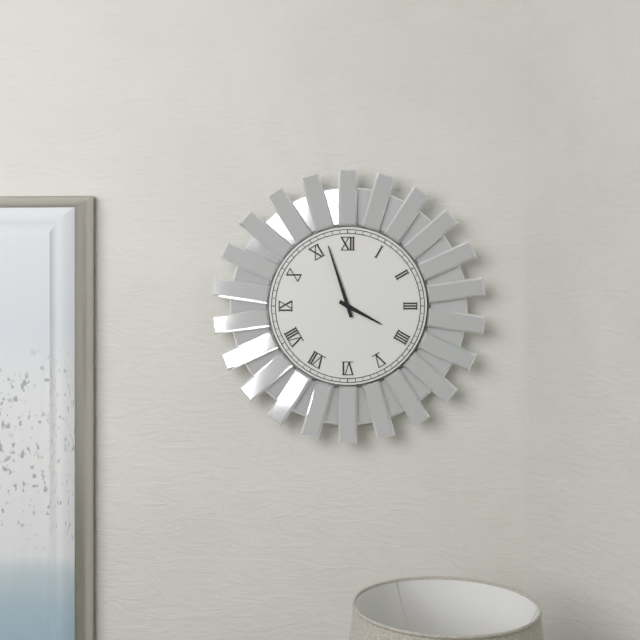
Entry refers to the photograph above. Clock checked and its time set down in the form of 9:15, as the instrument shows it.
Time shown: 3:57
